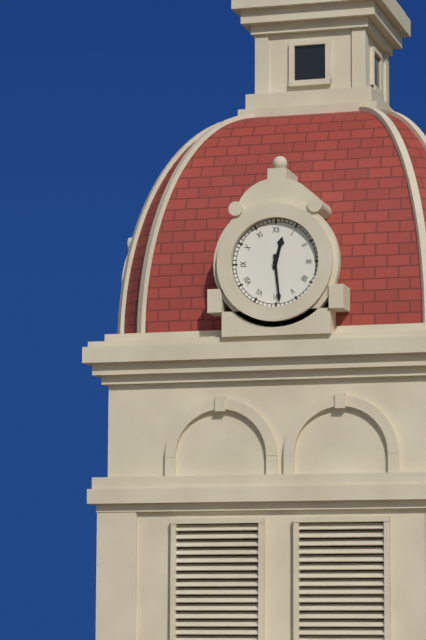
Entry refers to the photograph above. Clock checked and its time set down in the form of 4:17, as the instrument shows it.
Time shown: 12:29
